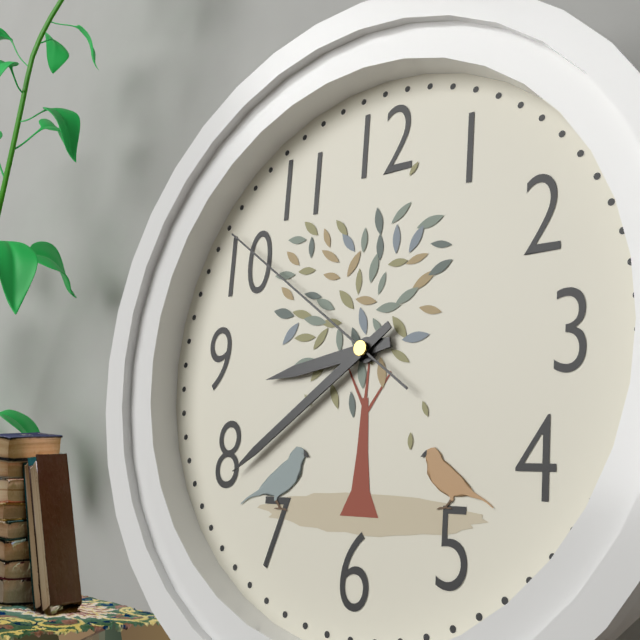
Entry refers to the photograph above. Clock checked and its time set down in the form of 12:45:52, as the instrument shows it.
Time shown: 8:39:51
